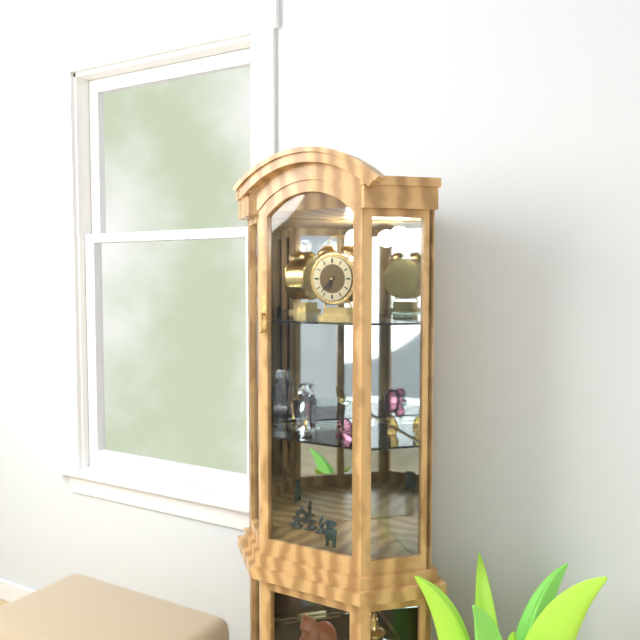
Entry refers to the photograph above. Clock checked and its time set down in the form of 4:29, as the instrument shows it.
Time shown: 6:37
